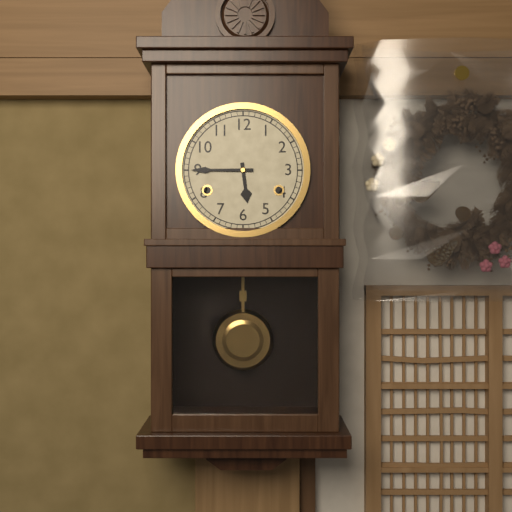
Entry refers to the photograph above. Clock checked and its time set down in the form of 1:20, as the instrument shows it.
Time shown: 5:45
